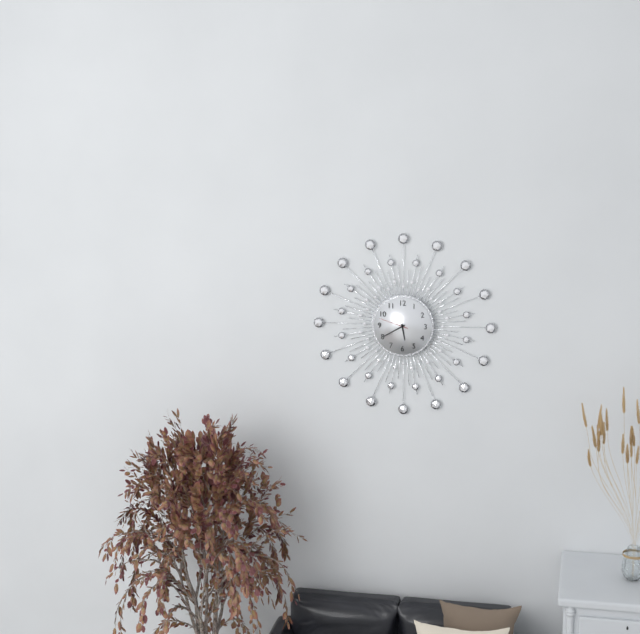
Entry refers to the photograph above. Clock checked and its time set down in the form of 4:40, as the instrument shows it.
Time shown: 5:40
